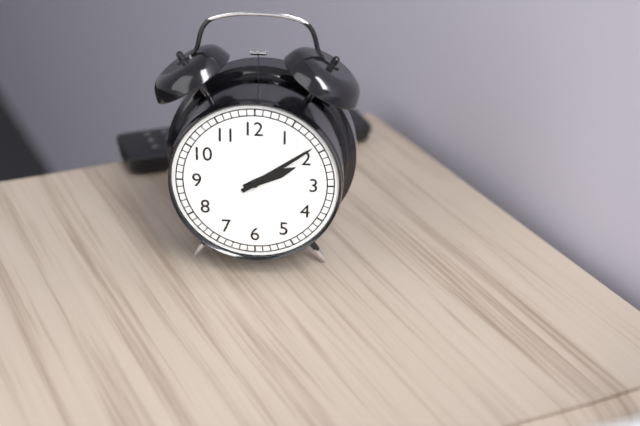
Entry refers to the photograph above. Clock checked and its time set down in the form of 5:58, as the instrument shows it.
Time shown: 2:09
